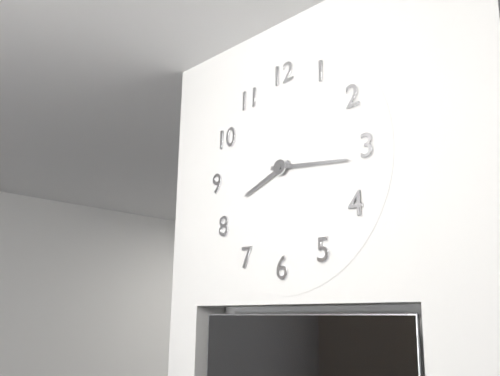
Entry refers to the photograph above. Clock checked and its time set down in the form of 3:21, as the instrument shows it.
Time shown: 8:16
